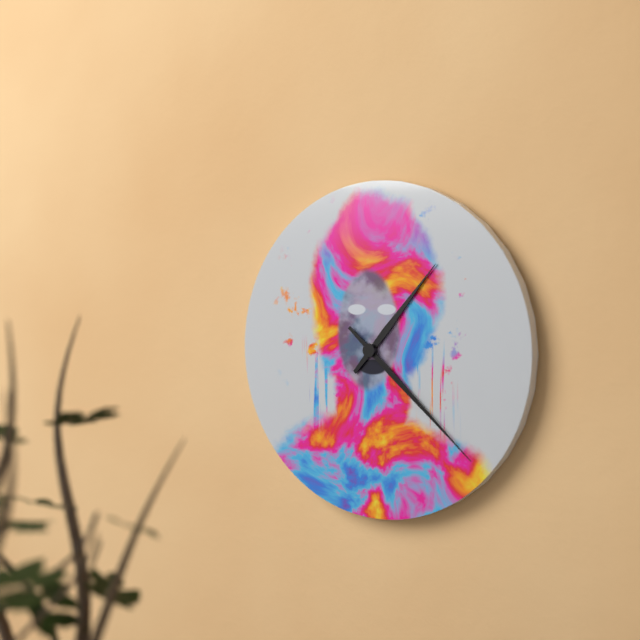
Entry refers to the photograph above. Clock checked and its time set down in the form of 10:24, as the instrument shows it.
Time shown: 1:22
